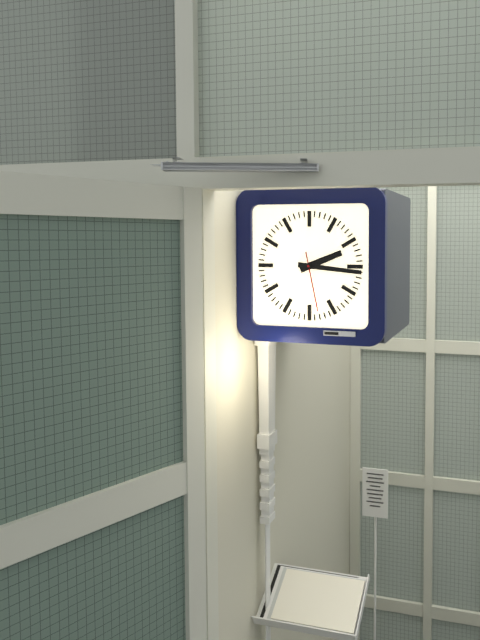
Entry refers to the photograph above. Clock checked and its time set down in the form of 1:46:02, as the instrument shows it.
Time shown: 2:16:28
